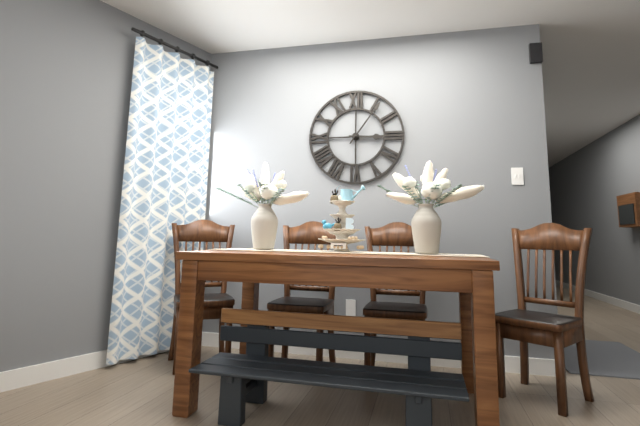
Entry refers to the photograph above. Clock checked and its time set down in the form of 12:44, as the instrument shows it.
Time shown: 3:06
